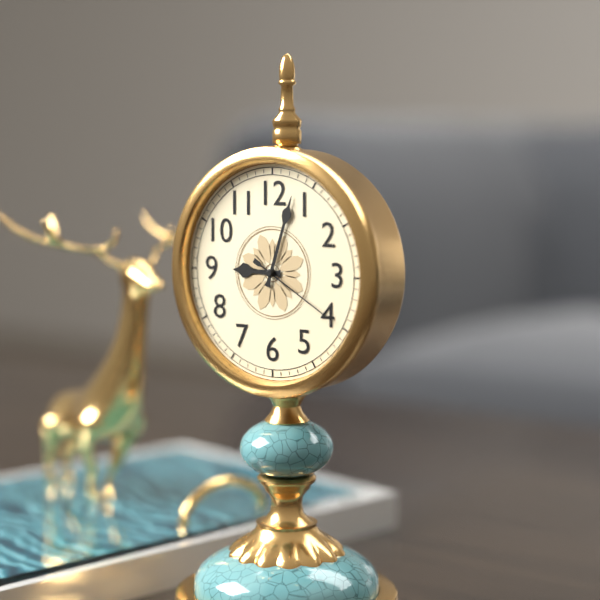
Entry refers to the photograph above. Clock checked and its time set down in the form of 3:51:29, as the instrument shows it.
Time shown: 9:03:20
